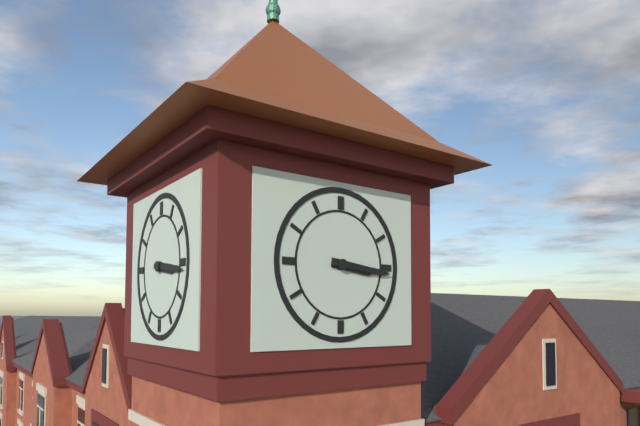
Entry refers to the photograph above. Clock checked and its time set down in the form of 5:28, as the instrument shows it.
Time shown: 3:16
